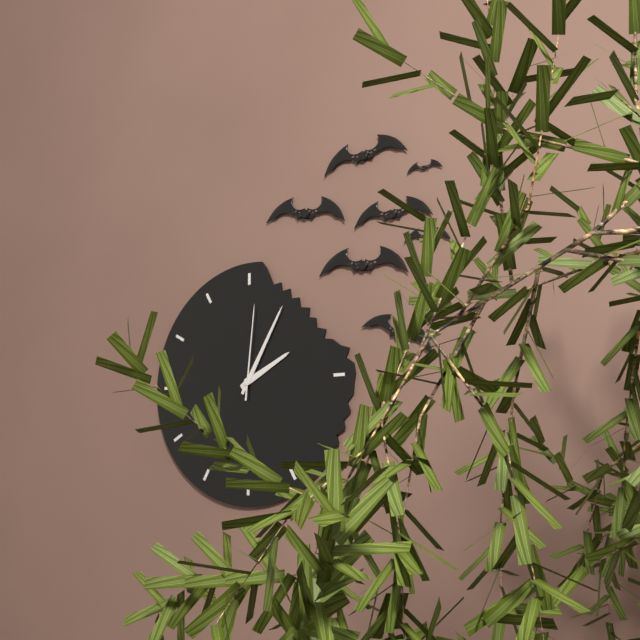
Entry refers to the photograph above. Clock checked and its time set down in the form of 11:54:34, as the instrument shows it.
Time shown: 2:05:01
